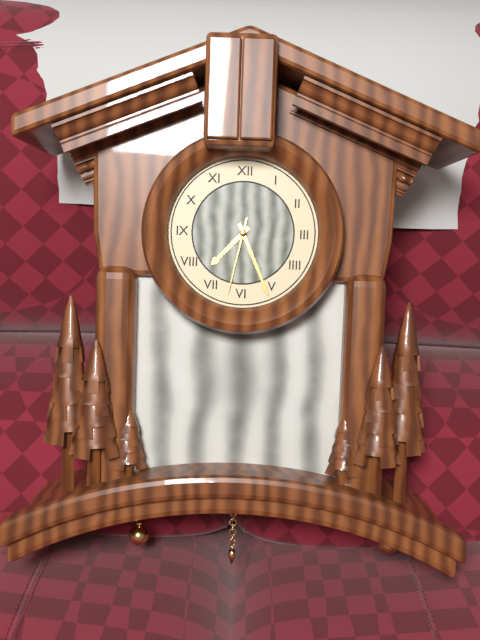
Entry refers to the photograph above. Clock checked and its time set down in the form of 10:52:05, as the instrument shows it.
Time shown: 7:26:32
